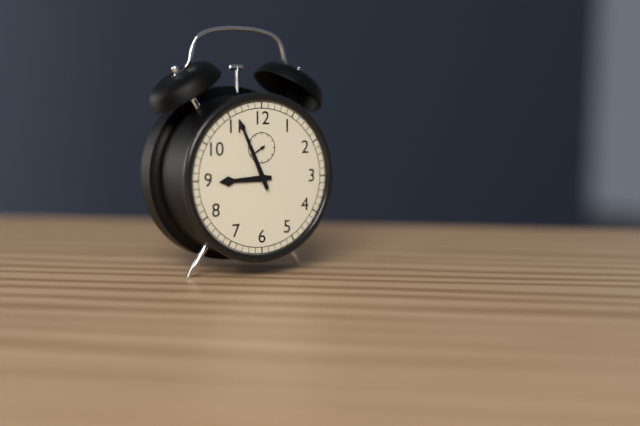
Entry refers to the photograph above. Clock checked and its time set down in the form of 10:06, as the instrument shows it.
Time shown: 8:56
